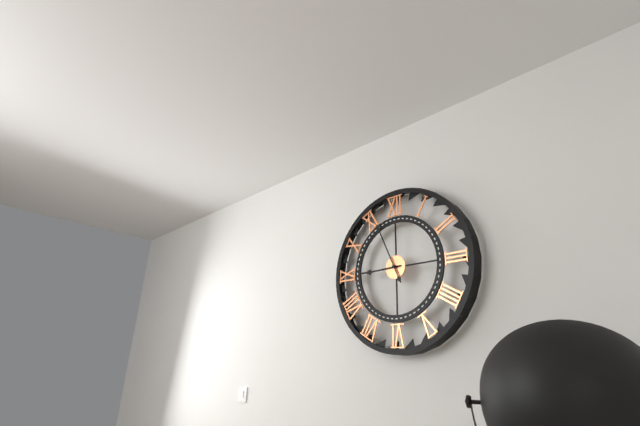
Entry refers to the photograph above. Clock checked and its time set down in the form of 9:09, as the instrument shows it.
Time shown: 8:56
